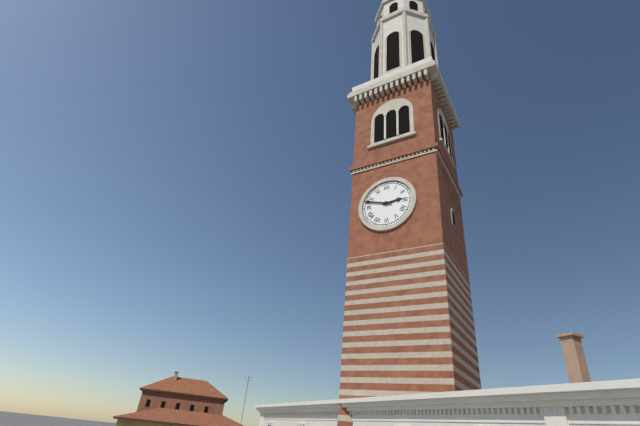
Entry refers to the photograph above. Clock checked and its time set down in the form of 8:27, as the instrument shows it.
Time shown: 2:48
